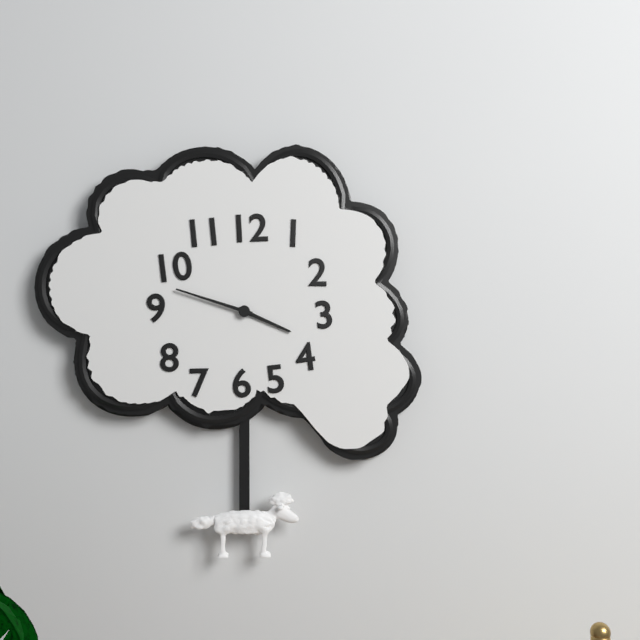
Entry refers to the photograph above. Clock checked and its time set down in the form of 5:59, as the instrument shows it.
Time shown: 3:48
